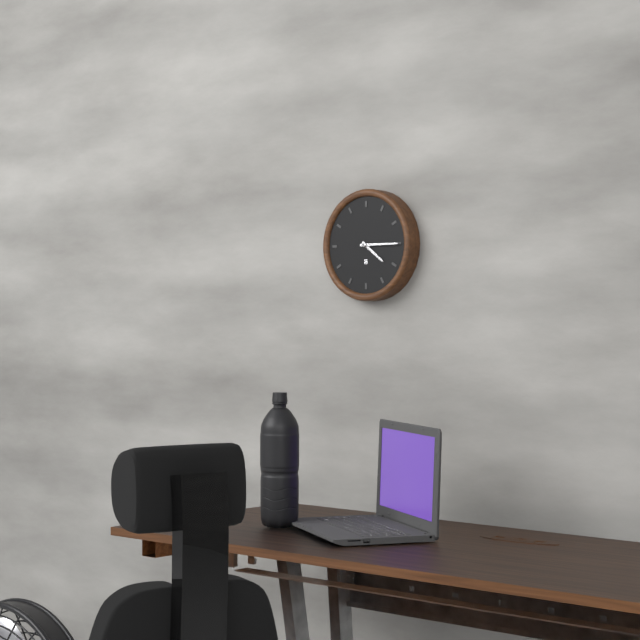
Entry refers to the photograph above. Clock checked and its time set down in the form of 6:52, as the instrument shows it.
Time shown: 4:15
